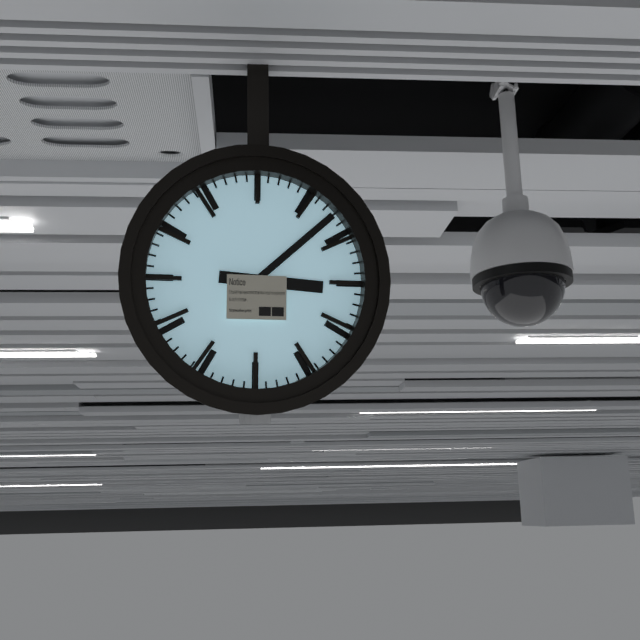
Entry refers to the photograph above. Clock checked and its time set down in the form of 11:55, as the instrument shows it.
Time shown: 3:08
